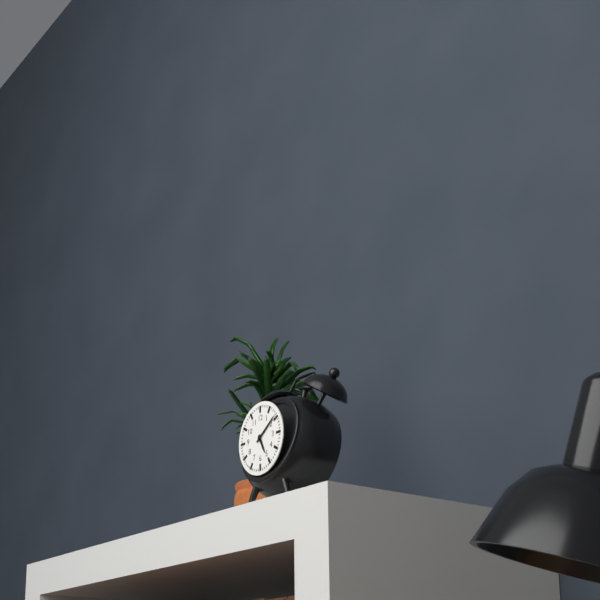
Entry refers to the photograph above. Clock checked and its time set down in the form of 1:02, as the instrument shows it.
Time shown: 5:09
